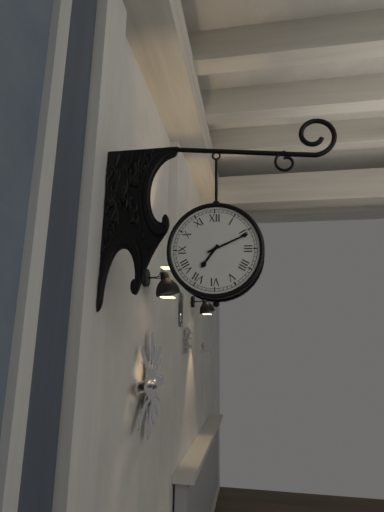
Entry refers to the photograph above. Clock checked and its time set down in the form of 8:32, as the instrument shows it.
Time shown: 7:11
